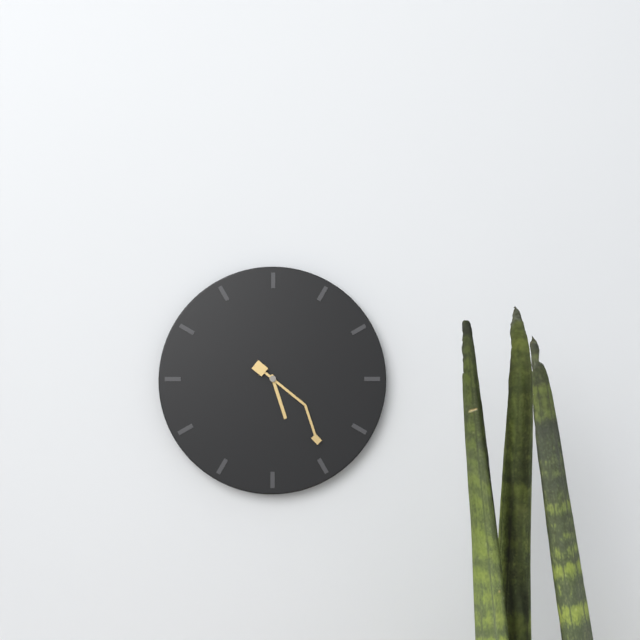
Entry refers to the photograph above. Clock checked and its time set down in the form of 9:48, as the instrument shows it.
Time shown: 5:24
